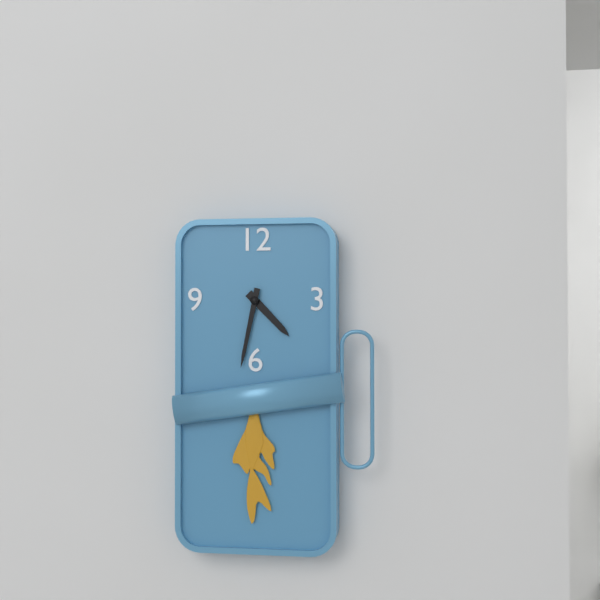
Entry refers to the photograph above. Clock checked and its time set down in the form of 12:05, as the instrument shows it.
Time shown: 4:32
